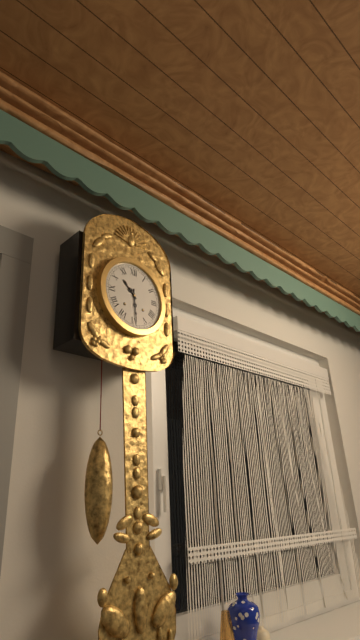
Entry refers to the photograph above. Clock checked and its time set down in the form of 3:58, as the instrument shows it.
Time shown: 10:29
